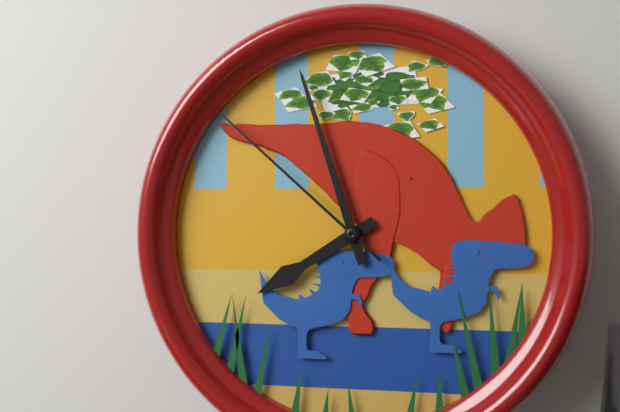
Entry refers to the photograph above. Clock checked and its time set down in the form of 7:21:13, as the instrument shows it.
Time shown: 7:57:52
